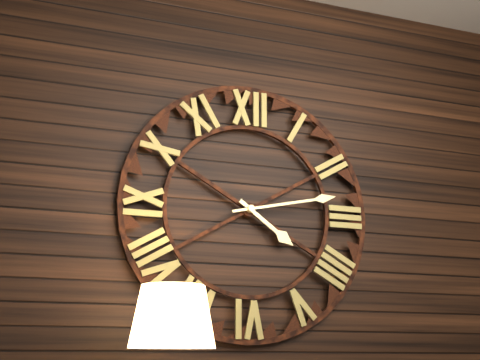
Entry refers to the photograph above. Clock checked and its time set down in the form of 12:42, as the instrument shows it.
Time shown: 4:13
